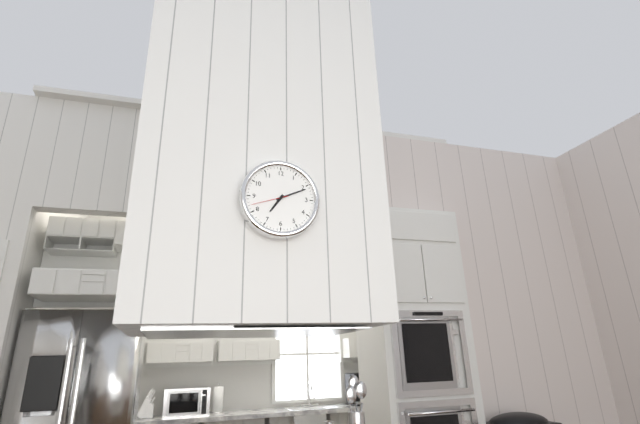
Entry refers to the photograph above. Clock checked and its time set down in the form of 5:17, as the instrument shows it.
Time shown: 7:11
